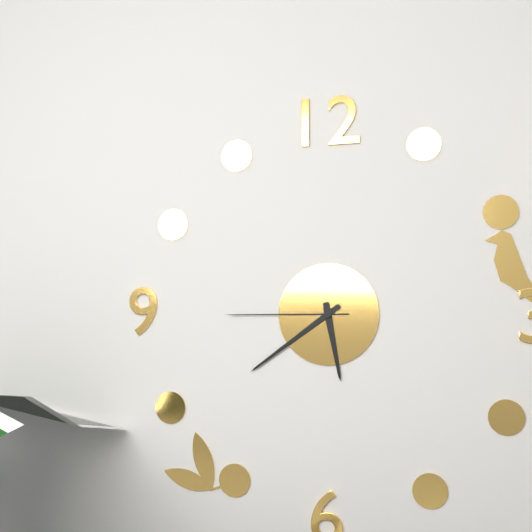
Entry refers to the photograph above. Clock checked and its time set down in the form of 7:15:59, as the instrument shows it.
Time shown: 5:39:45
